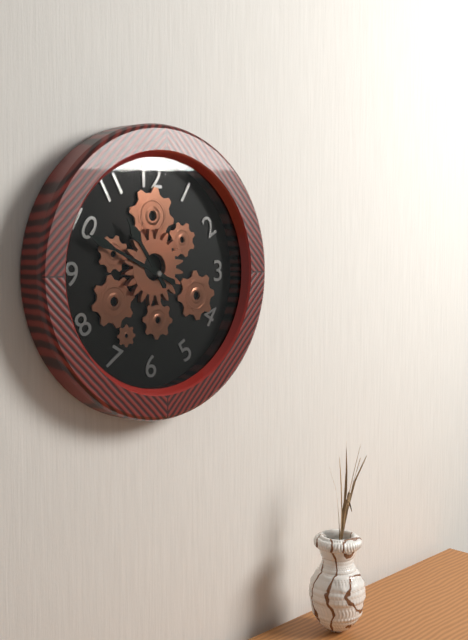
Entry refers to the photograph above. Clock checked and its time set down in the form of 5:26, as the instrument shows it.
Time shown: 10:49
